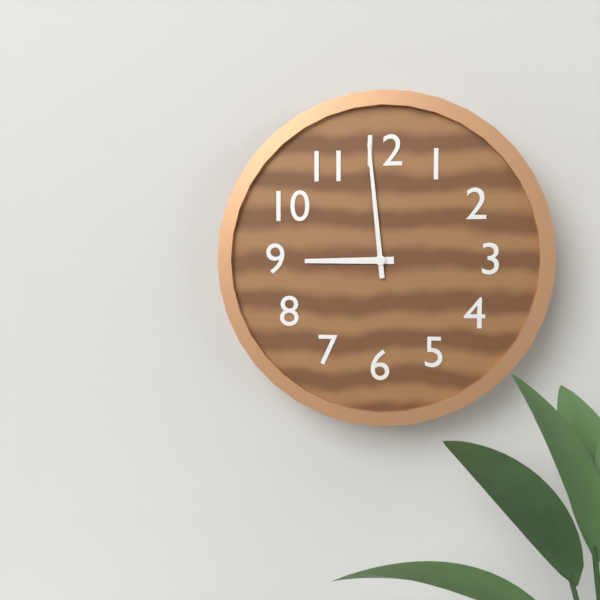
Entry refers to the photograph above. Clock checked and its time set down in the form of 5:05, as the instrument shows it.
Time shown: 8:59
